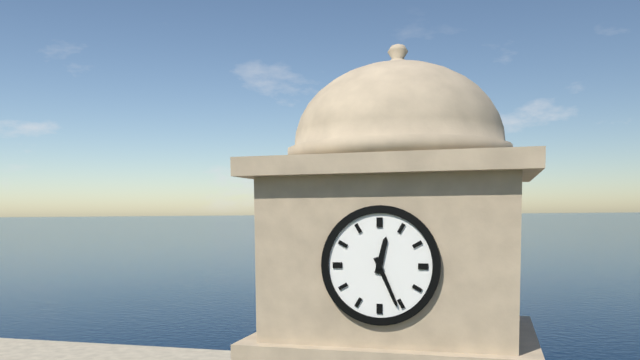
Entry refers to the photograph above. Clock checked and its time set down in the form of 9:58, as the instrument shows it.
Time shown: 12:26
